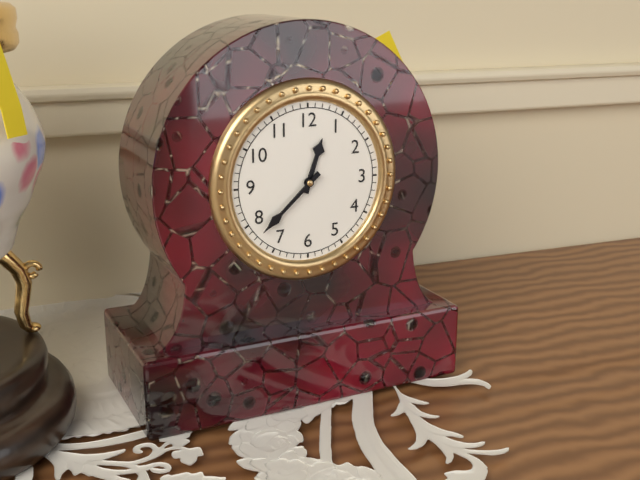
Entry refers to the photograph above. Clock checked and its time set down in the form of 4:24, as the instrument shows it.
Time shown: 12:38
